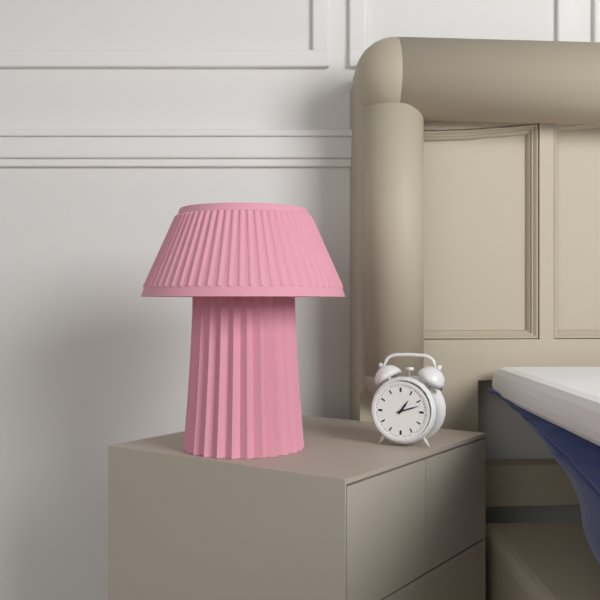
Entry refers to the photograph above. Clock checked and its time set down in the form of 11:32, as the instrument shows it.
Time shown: 1:12
